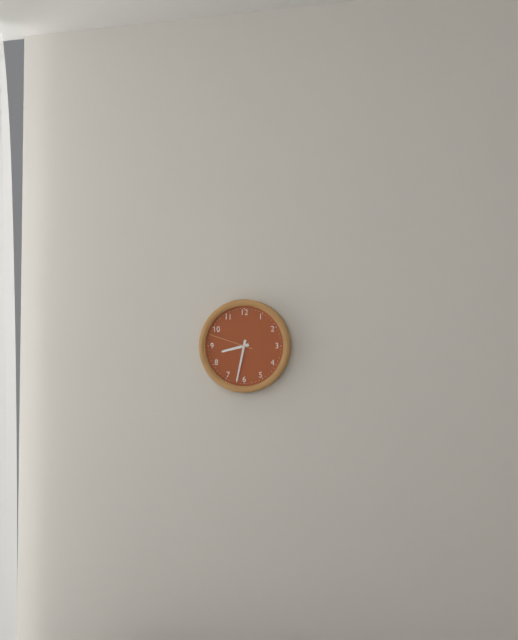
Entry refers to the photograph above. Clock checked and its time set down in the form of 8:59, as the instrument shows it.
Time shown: 8:32
